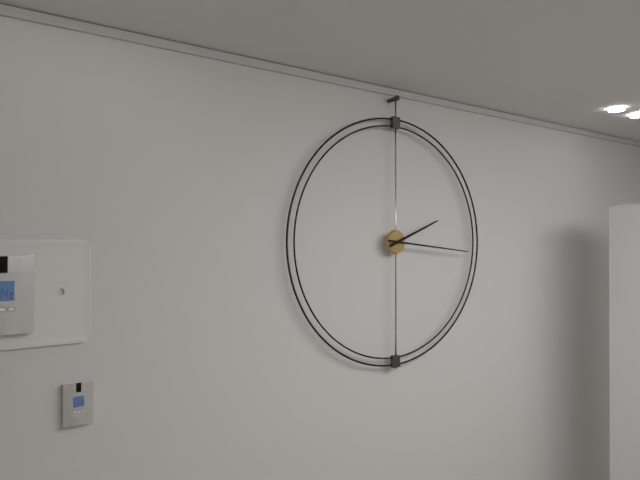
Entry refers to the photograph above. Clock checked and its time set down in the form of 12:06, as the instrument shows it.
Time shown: 2:16
